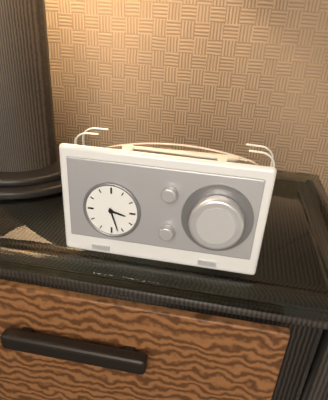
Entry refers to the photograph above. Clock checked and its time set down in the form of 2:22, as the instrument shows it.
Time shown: 3:27
